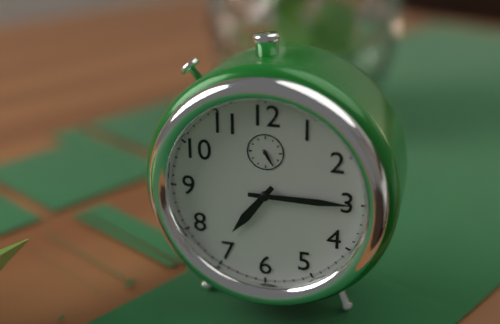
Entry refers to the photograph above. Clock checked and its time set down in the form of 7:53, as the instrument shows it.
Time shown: 7:15
